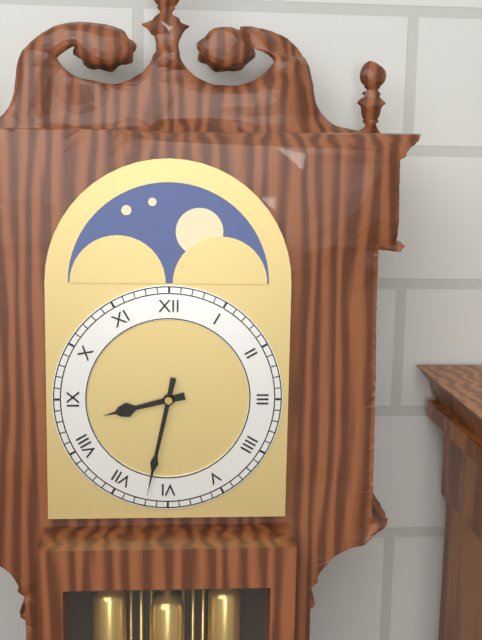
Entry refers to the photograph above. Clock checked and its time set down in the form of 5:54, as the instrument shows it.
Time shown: 8:32
